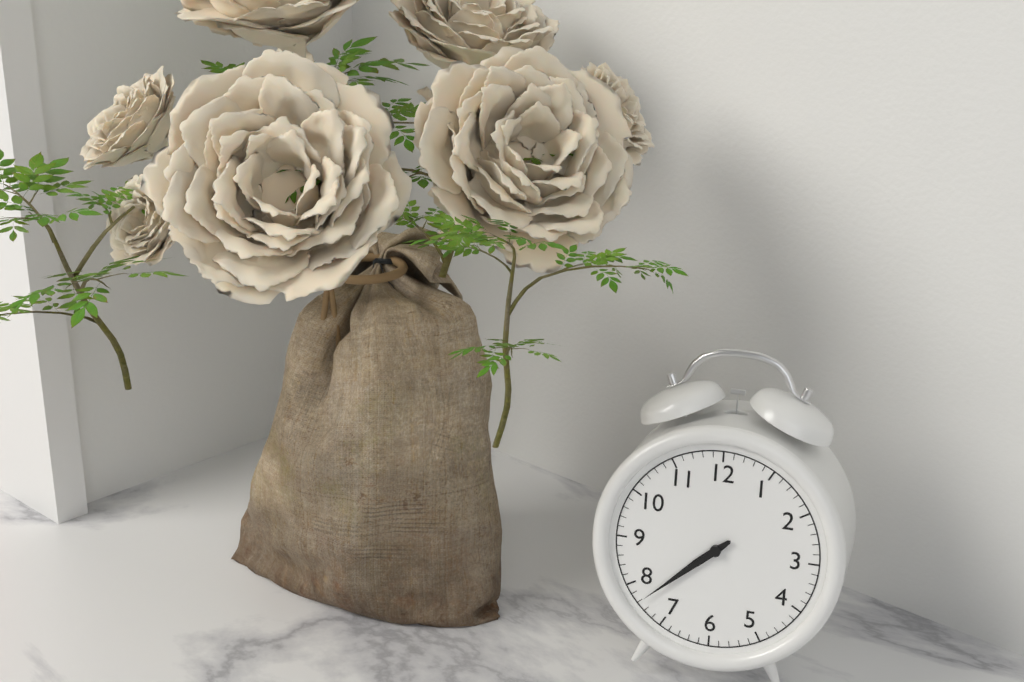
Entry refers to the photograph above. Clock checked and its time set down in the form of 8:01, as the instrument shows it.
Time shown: 7:38
